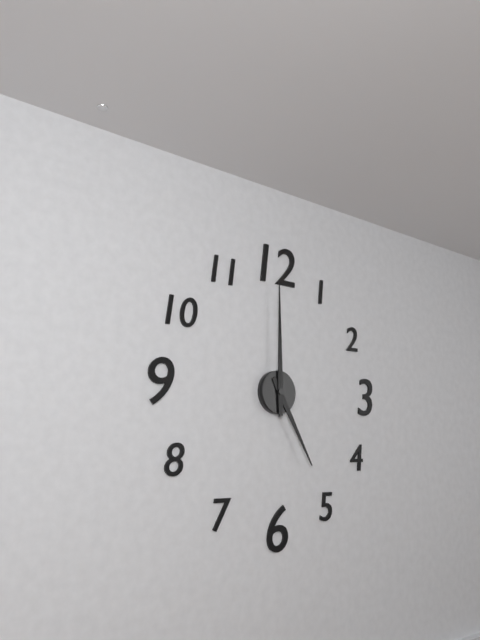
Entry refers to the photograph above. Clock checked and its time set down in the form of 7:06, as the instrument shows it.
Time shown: 5:00
